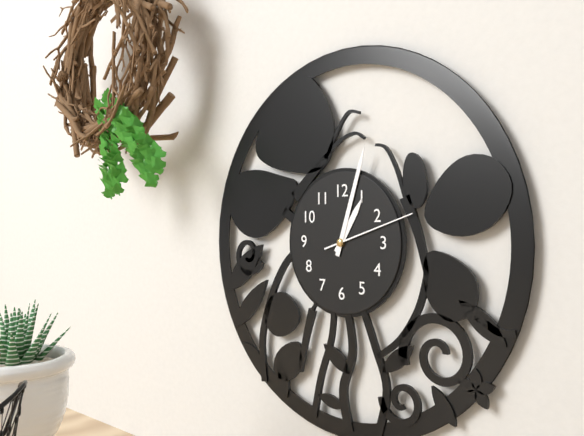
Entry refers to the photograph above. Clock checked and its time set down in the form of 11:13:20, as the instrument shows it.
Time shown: 1:03:12
